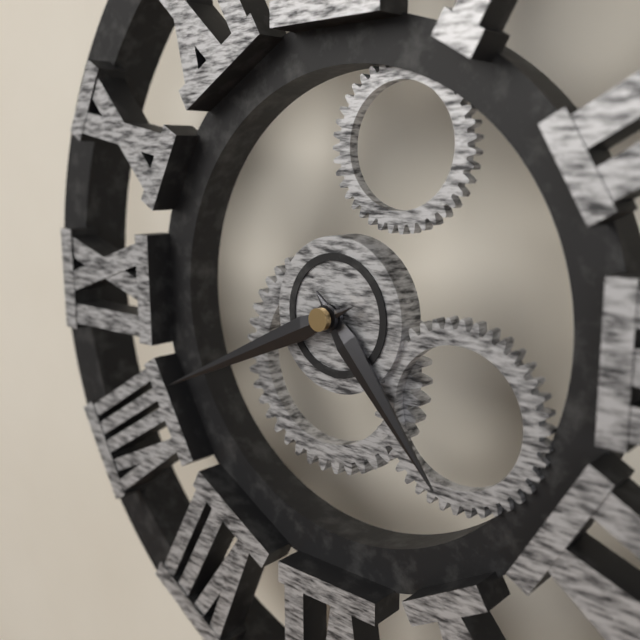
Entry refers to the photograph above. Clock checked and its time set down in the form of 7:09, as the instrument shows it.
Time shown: 4:41
